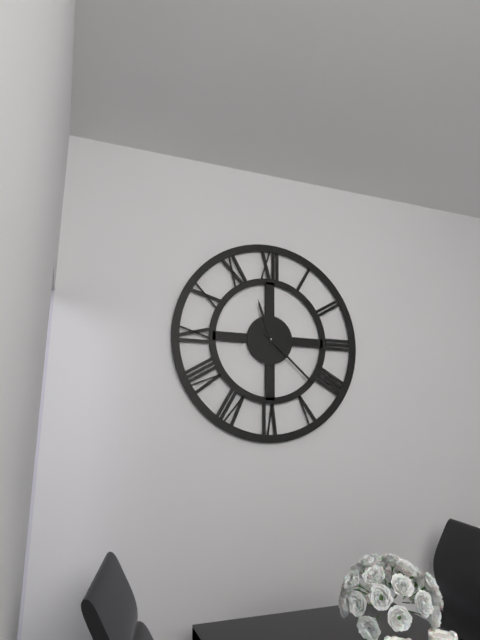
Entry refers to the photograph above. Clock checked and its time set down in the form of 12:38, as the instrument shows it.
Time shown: 11:22
